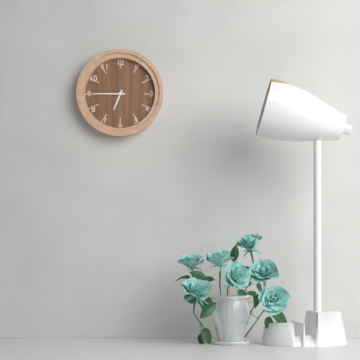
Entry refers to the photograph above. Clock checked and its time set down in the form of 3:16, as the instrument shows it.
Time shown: 6:45
